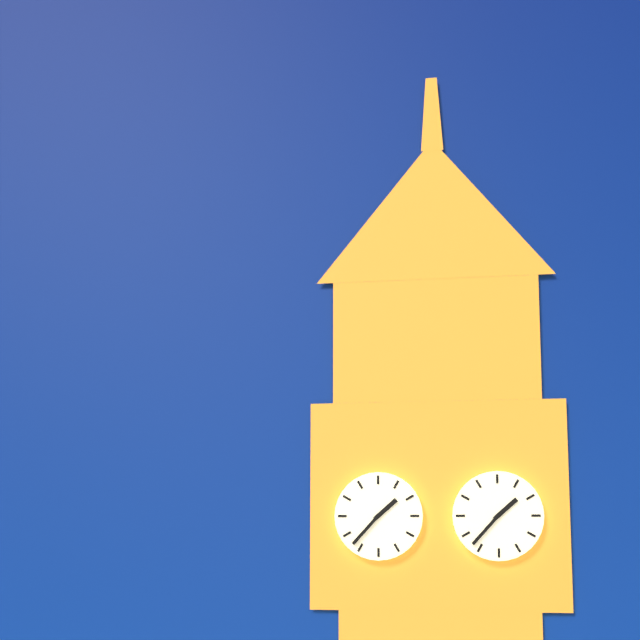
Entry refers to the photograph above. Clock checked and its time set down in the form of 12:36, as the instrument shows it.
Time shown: 1:37
